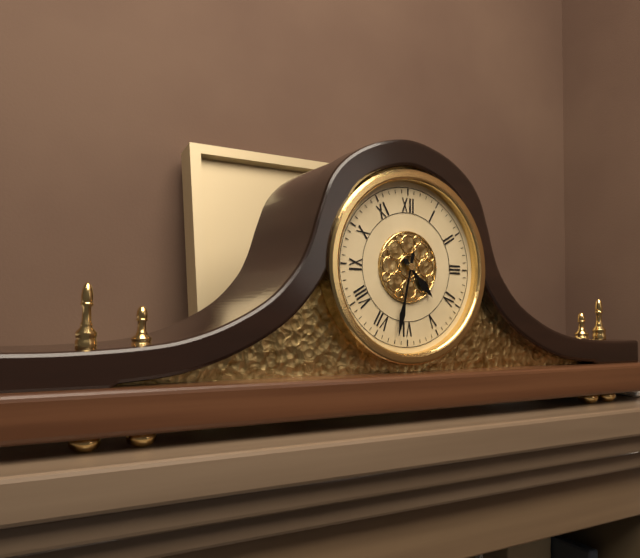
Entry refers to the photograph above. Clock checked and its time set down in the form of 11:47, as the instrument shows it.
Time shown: 4:32
